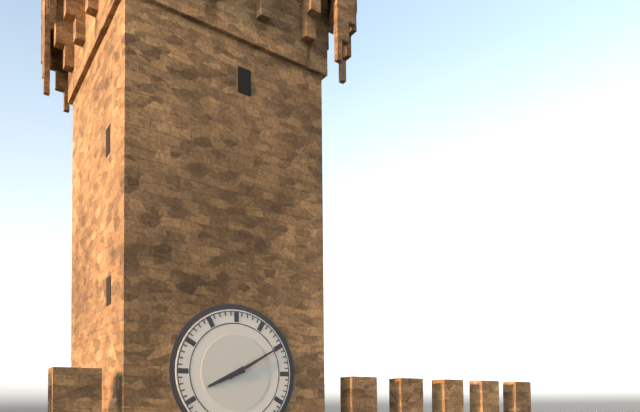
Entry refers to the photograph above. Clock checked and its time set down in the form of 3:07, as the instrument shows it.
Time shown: 8:10
